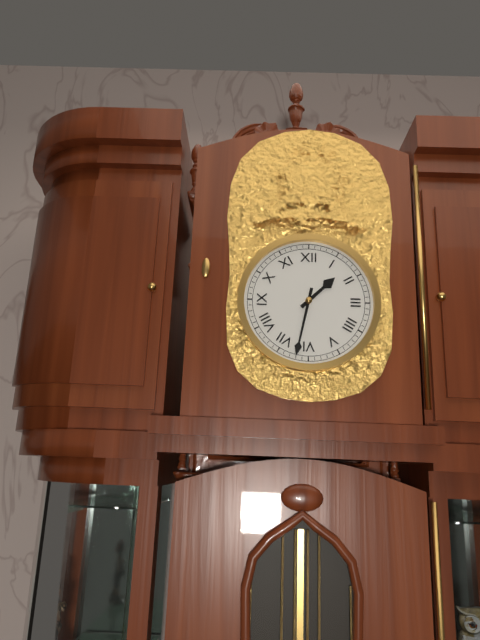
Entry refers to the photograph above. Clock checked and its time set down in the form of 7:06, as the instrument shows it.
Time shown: 1:32
